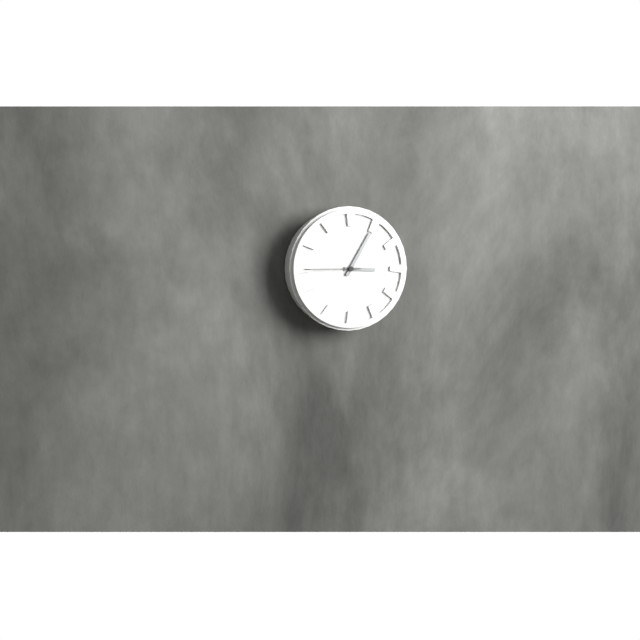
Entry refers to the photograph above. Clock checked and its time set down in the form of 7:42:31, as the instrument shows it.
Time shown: 3:05:45
